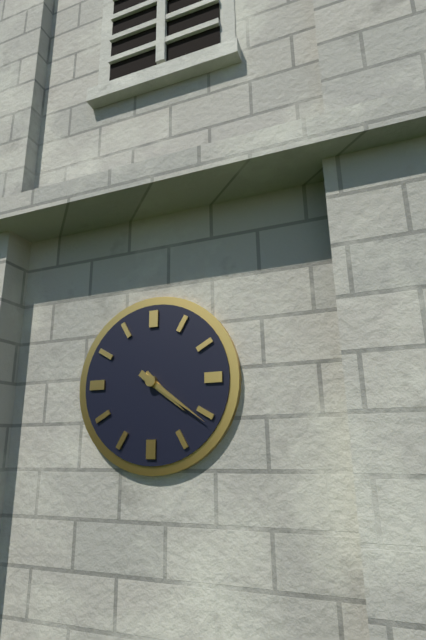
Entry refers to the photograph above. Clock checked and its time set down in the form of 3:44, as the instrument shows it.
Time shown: 4:21
